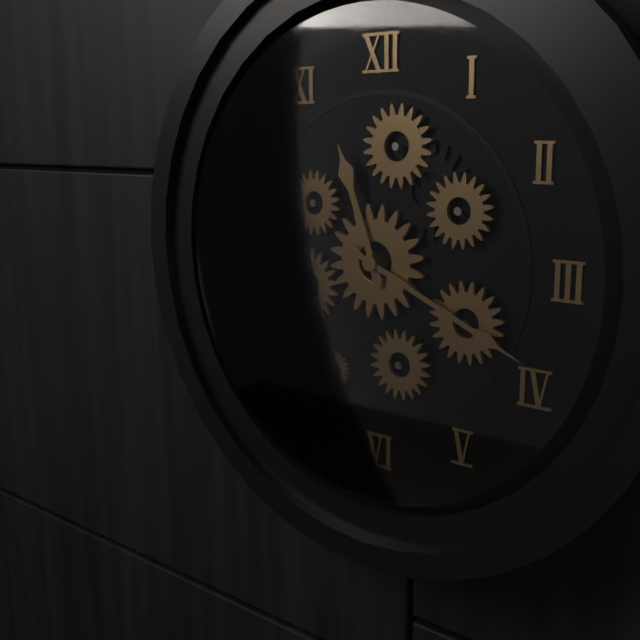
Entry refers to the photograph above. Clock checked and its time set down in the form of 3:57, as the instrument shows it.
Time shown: 11:19
